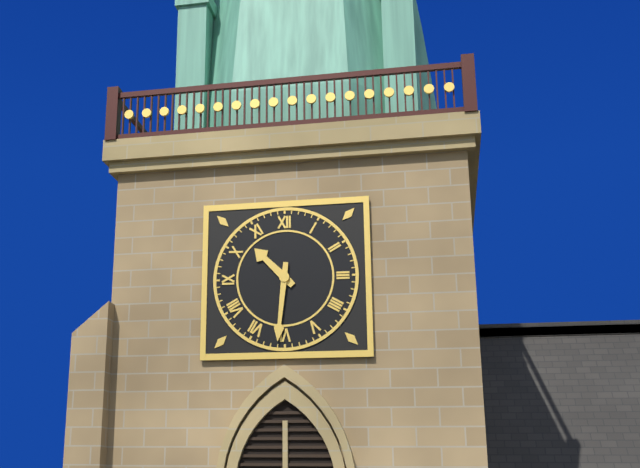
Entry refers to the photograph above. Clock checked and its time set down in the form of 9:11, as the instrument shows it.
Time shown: 10:31
